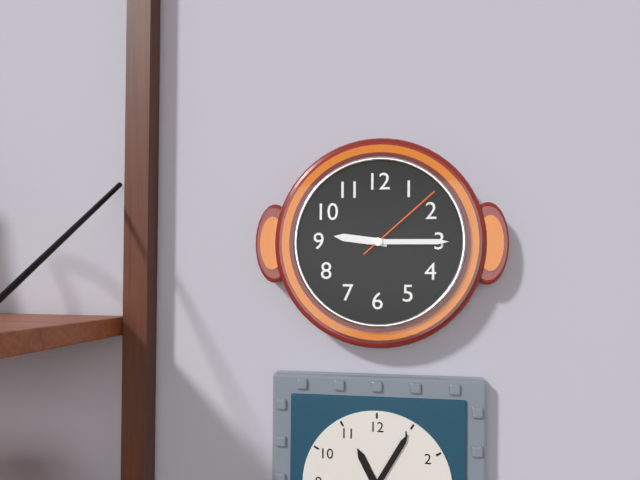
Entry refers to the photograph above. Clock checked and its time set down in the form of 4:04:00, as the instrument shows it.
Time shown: 9:15:08
